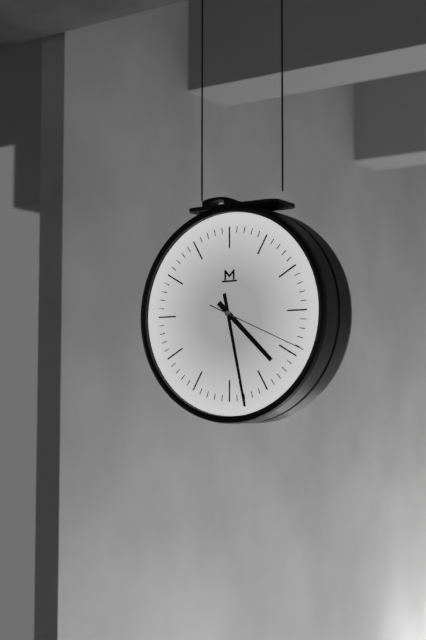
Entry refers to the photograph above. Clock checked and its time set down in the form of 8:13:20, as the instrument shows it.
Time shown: 4:28:19
